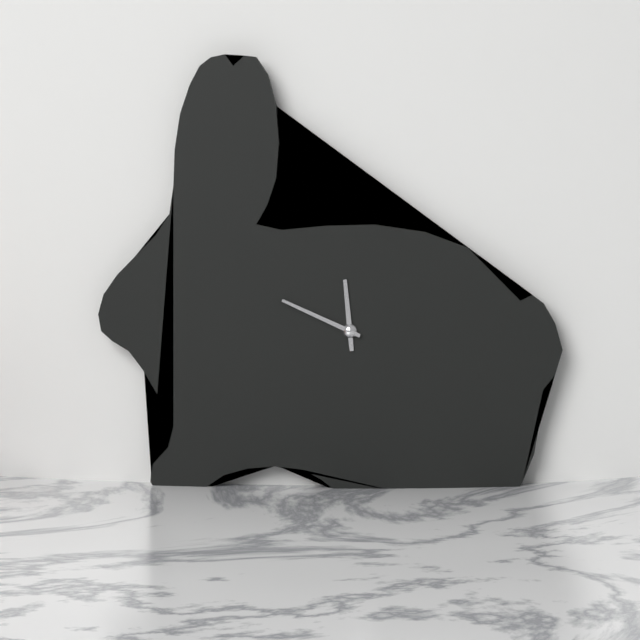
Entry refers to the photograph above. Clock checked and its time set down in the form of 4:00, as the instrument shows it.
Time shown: 11:49
